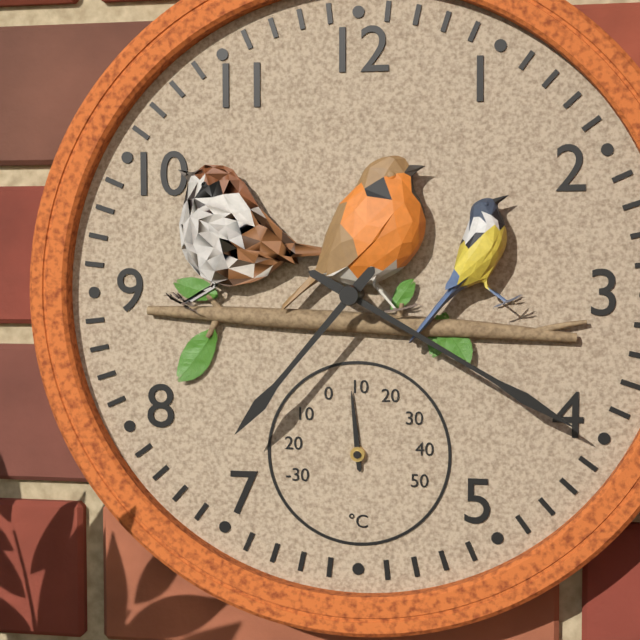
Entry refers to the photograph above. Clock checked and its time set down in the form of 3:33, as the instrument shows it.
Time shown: 7:20
